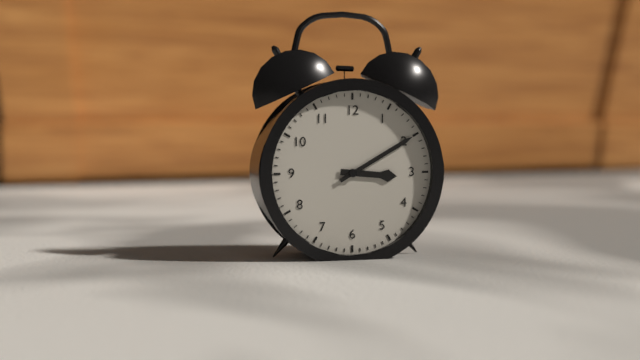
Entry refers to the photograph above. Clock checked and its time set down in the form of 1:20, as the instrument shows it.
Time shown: 3:10
